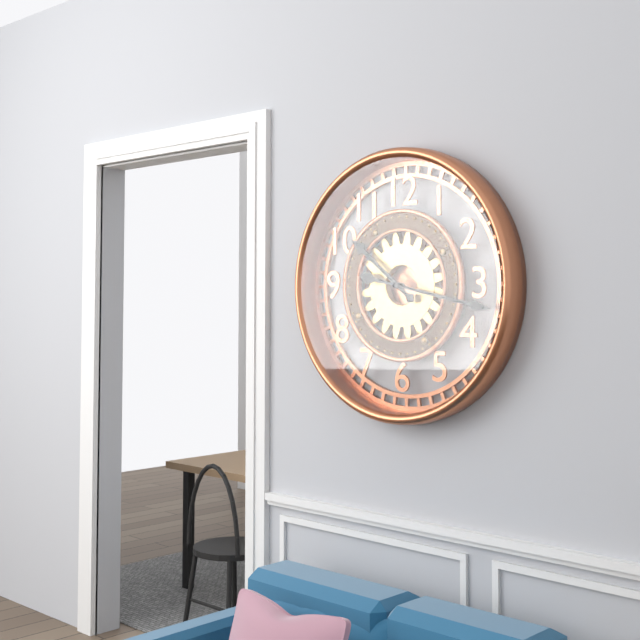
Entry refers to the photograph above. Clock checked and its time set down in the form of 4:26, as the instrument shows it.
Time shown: 10:17
